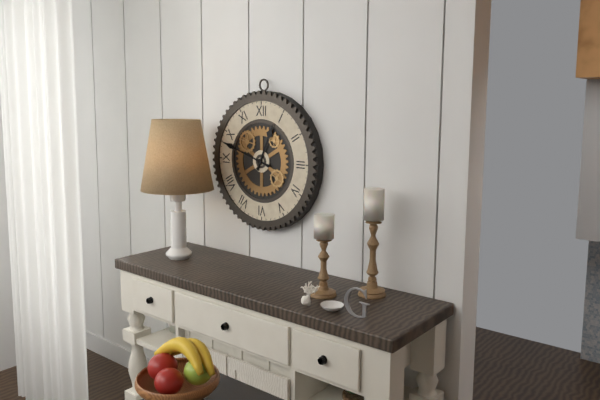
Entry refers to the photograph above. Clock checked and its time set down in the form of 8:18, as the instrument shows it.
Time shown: 12:48
